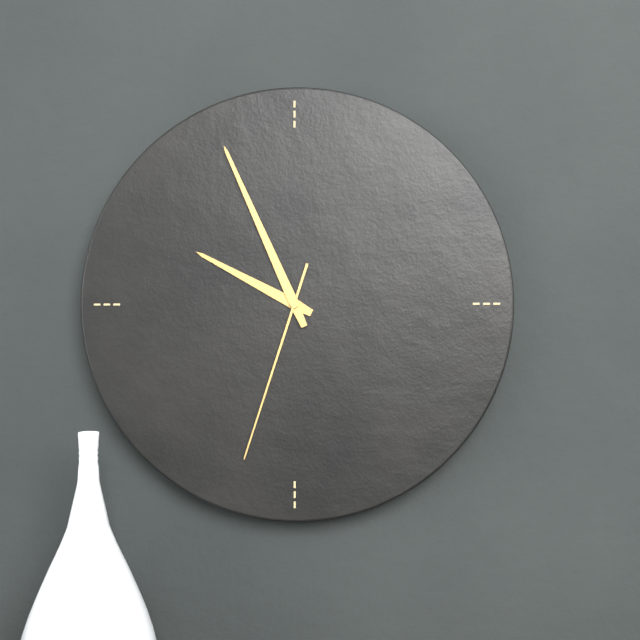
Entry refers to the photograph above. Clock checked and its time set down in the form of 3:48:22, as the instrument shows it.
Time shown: 9:56:33
